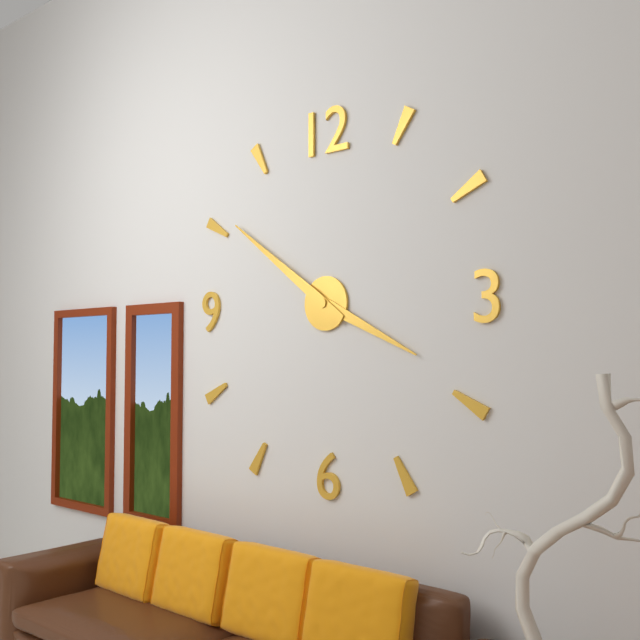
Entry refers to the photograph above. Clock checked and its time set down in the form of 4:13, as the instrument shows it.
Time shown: 3:51
